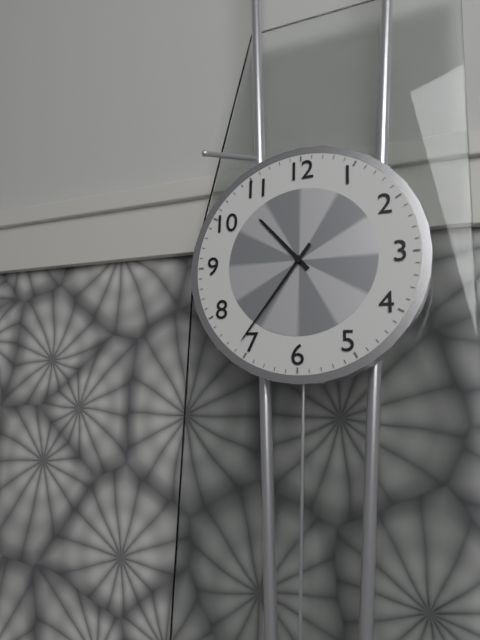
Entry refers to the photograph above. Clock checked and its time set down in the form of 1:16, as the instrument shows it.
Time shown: 10:36
